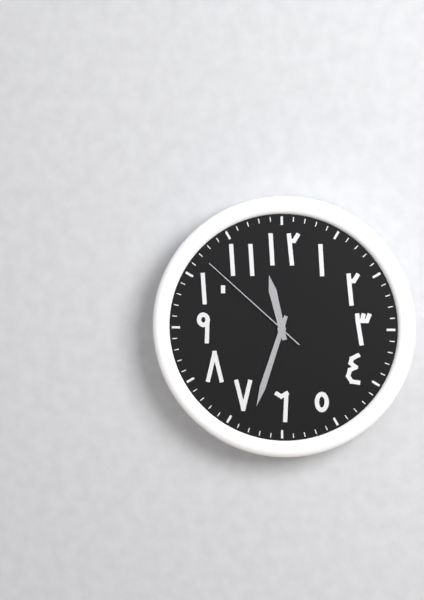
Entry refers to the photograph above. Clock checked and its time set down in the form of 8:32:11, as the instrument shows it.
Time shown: 11:33:52
